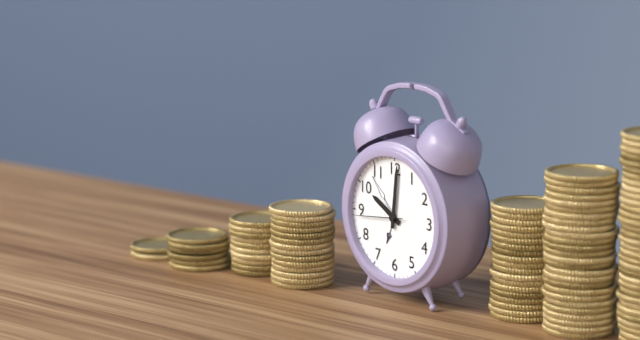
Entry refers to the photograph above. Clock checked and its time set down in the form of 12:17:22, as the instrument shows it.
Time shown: 10:01:44
